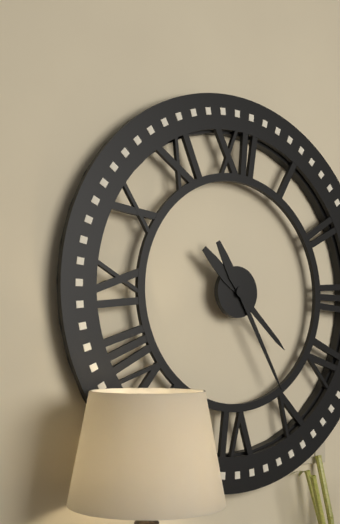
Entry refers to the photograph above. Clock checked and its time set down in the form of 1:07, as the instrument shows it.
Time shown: 4:25
